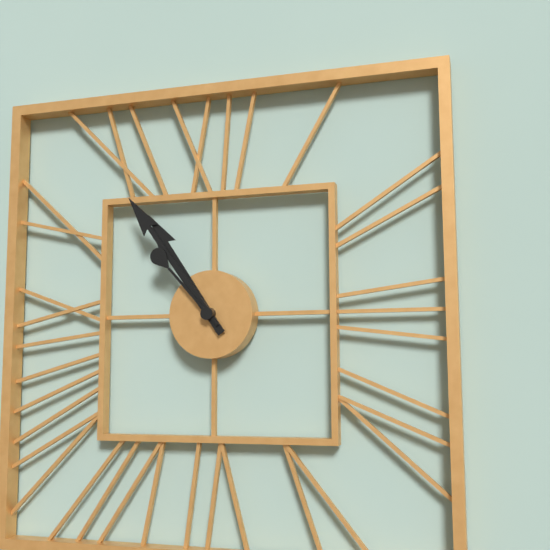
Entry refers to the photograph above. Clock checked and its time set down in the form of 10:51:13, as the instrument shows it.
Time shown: 10:54:53
